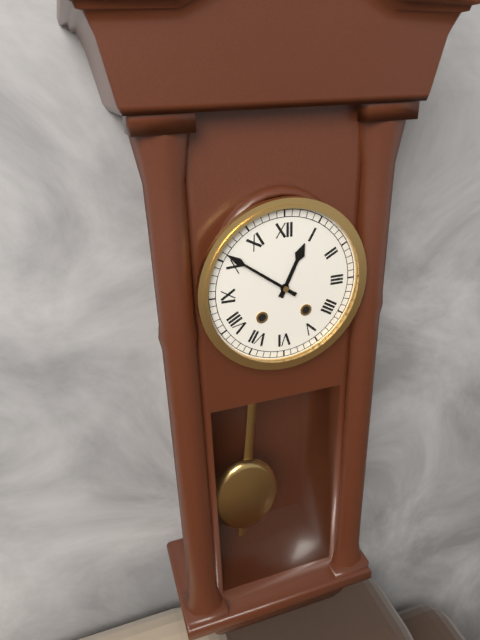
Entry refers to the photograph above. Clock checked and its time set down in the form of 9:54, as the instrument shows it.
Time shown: 12:51
